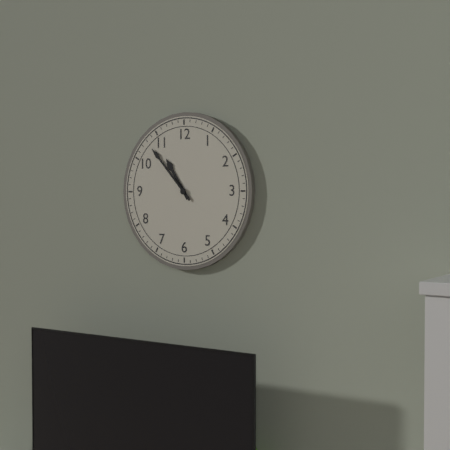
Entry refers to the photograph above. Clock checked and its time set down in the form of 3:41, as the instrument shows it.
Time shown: 10:53
